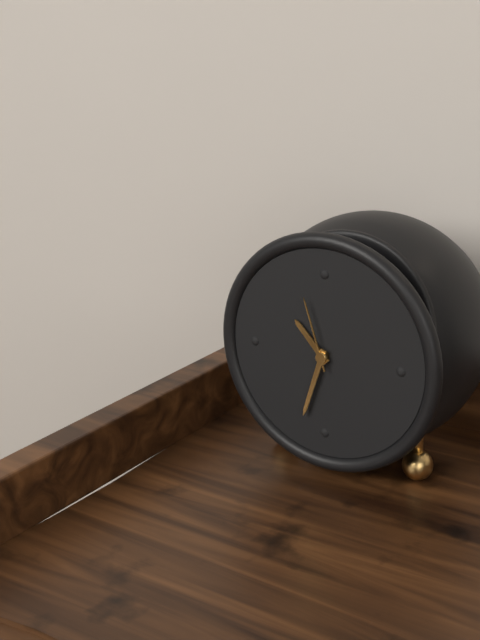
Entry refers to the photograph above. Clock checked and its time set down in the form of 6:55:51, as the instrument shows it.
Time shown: 10:33:57
